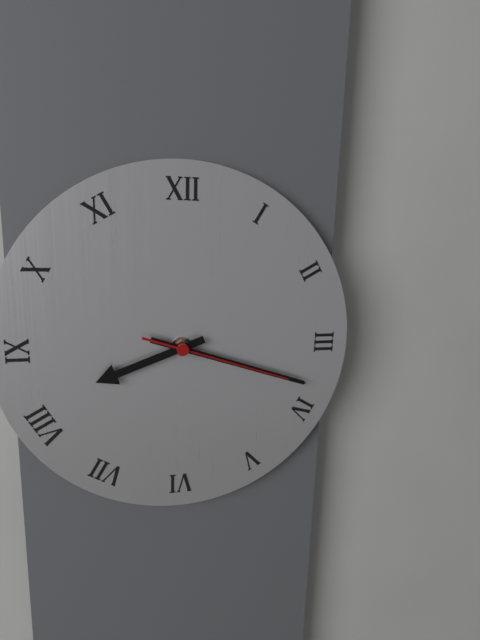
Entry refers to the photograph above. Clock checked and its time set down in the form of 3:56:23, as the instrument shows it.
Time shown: 8:18:18
